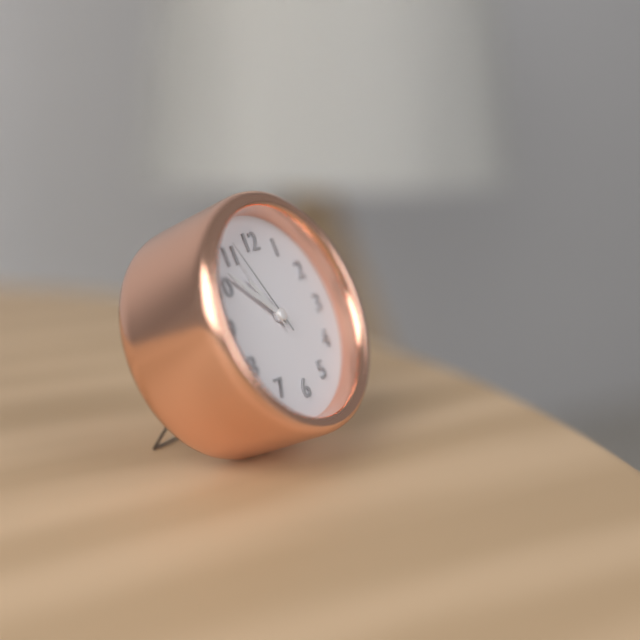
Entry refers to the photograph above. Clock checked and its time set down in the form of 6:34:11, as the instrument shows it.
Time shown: 10:52:56
